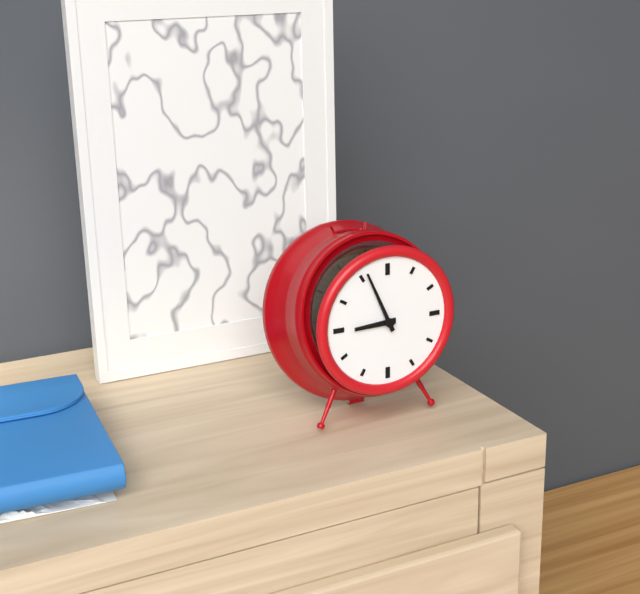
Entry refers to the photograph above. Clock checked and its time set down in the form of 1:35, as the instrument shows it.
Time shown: 8:56
